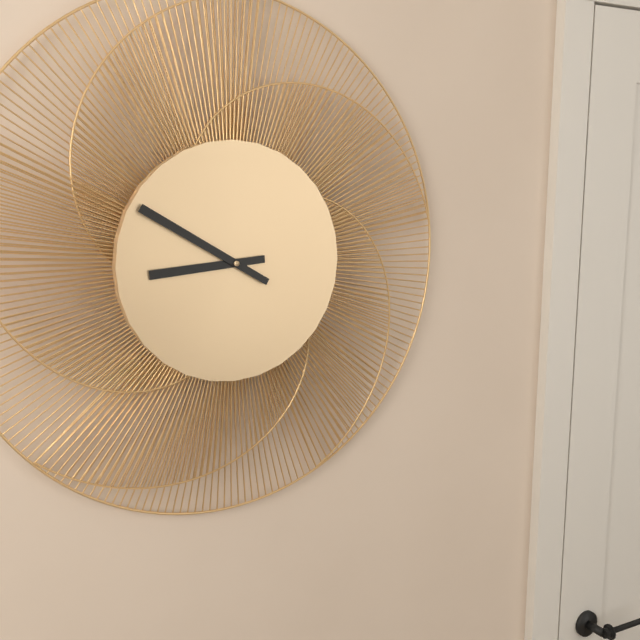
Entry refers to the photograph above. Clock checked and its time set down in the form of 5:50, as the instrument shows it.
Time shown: 8:50
